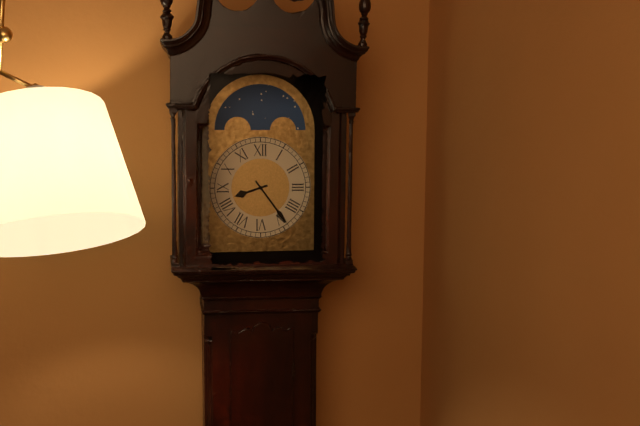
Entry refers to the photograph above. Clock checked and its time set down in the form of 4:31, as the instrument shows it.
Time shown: 8:24
